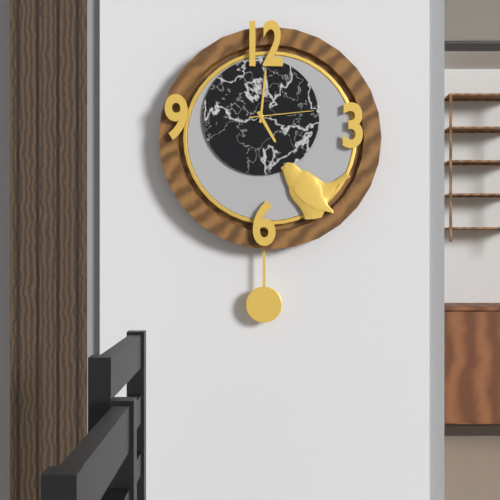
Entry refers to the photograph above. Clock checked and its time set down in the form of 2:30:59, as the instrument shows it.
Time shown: 5:01:14
